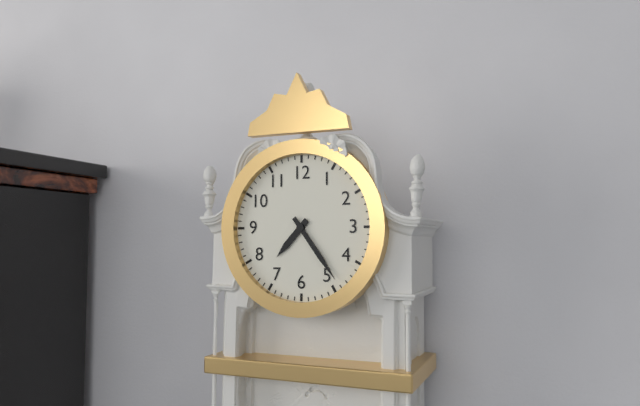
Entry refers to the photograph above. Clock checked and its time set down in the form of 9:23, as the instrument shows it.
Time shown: 7:24
